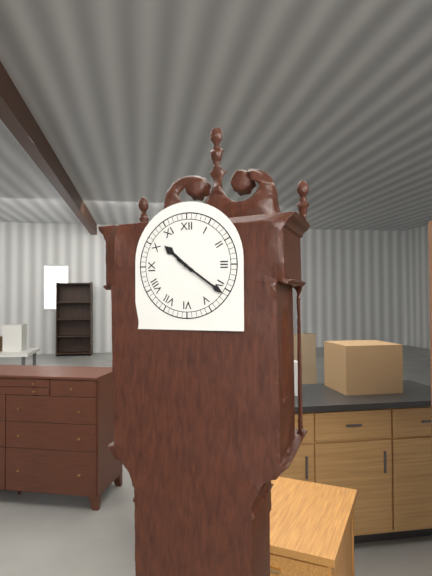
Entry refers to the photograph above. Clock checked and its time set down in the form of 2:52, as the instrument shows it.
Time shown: 10:21
